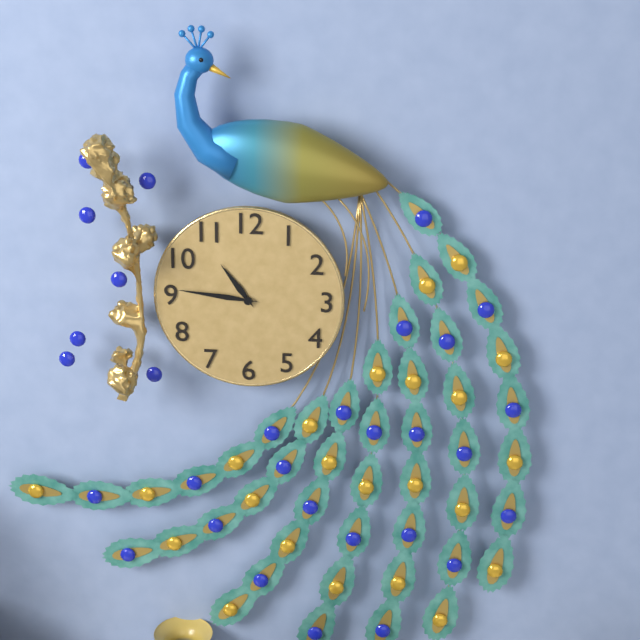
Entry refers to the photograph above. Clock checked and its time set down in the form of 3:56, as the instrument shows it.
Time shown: 10:46
